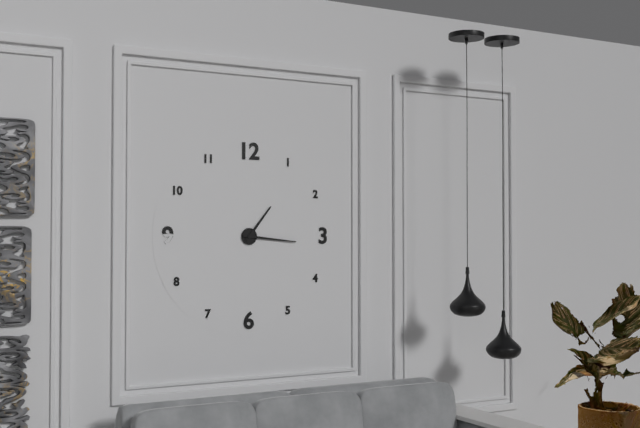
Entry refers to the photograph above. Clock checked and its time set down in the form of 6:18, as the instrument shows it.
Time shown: 1:16
